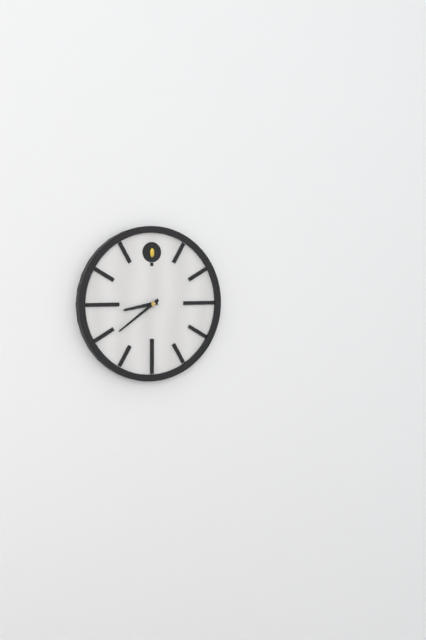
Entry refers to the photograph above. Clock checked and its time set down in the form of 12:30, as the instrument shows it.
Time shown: 8:39
